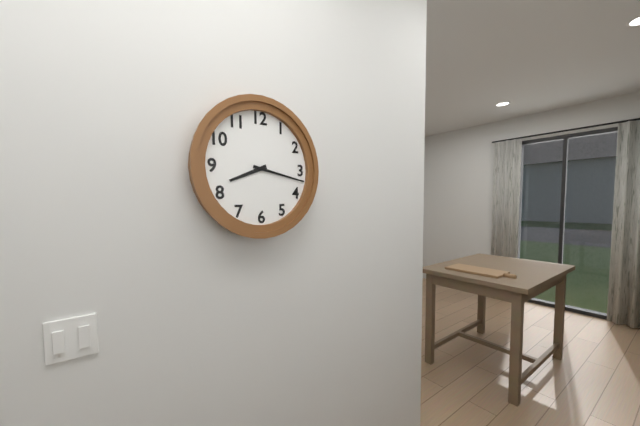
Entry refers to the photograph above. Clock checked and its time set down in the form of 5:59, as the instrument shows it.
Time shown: 8:17
